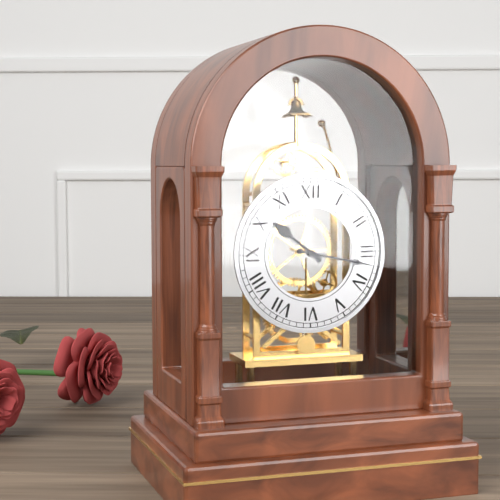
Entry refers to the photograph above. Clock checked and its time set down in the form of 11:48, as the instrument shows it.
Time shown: 10:17
